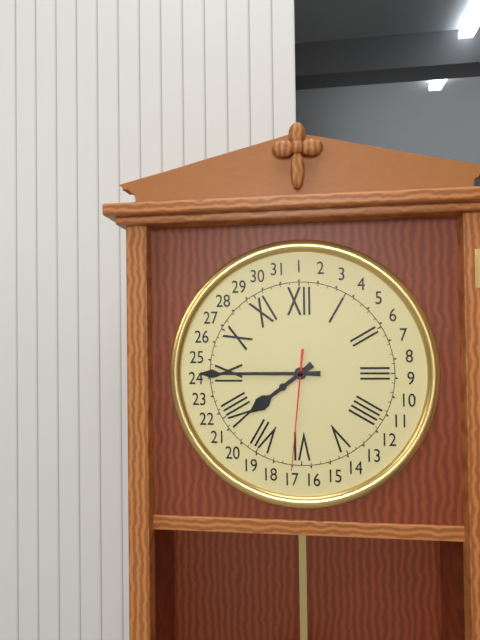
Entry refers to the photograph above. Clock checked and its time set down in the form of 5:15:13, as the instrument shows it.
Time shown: 7:45:31
